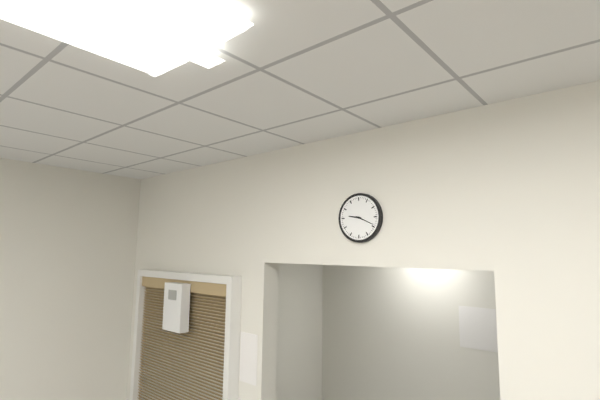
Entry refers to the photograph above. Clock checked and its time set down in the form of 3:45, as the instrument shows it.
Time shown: 9:19
